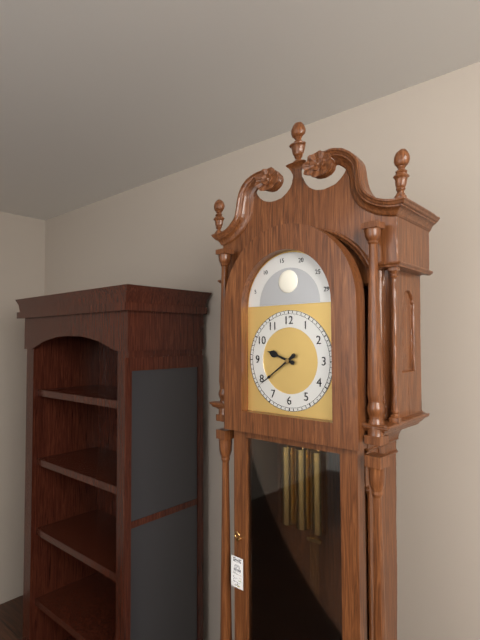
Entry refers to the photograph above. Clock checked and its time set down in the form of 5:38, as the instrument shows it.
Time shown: 9:39
